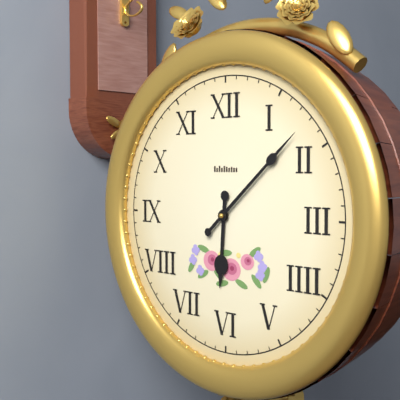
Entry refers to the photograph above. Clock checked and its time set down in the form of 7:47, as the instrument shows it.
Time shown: 6:08
